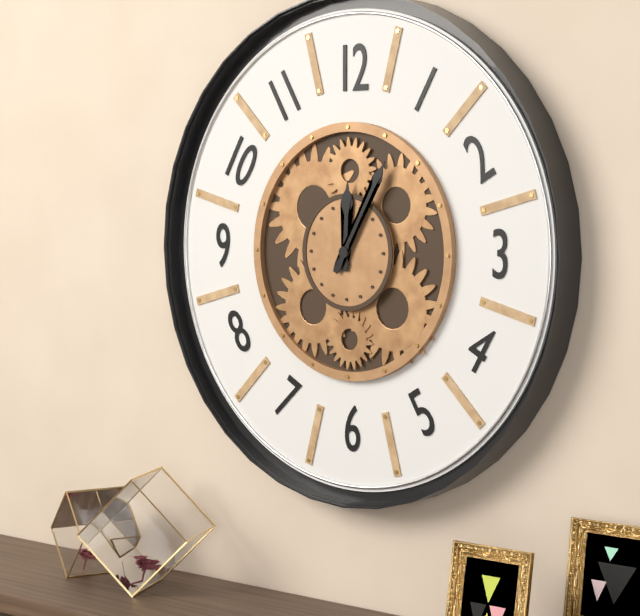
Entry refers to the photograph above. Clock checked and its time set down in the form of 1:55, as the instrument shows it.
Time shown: 12:05
